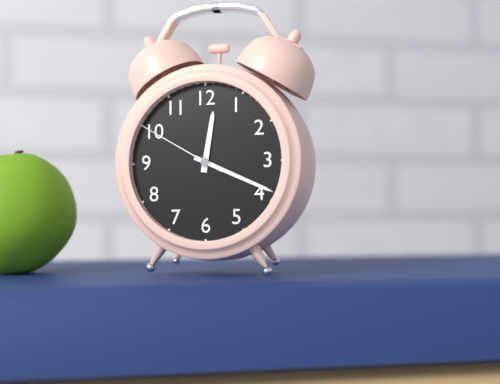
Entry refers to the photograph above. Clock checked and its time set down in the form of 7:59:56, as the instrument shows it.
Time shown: 12:19:50
